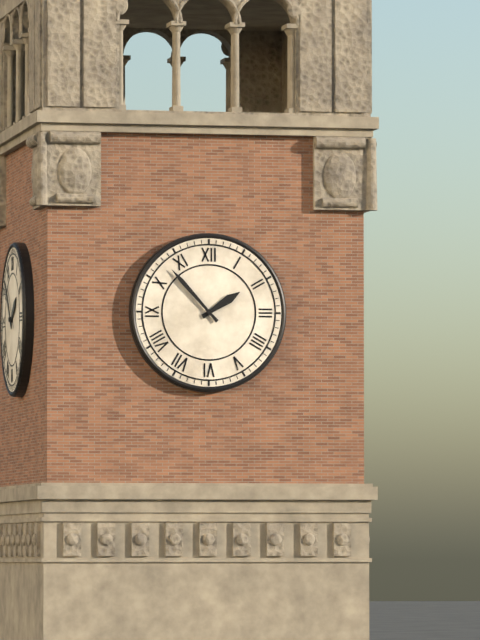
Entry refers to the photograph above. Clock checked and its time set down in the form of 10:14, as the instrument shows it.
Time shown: 1:53
